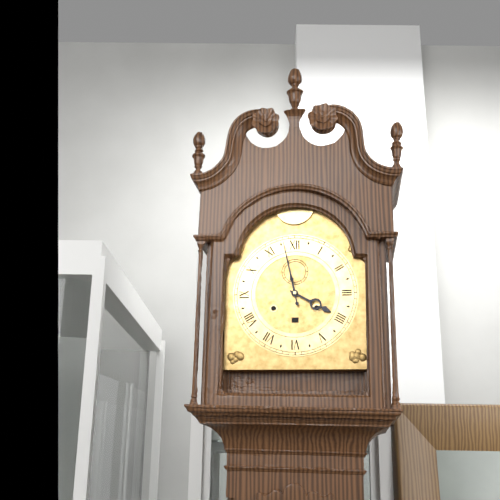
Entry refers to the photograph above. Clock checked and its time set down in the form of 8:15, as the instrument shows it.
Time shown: 3:58
